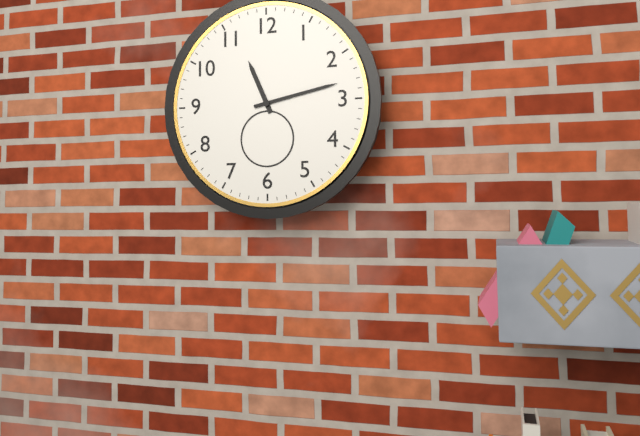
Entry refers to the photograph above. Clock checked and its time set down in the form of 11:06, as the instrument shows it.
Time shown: 11:13
